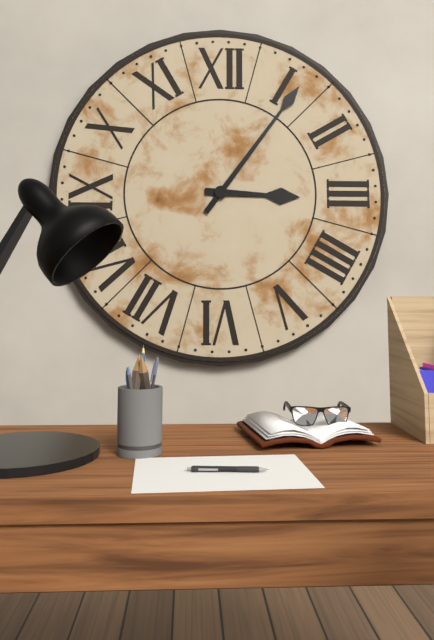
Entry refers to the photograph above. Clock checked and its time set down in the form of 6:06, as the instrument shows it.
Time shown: 3:06
